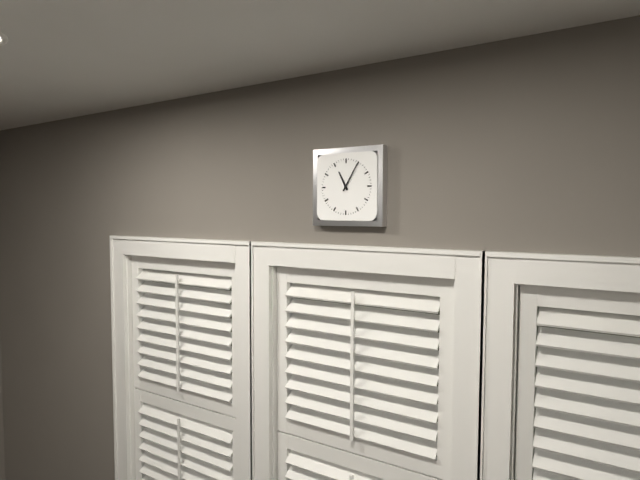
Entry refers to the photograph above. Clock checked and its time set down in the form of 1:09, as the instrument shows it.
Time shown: 11:05
